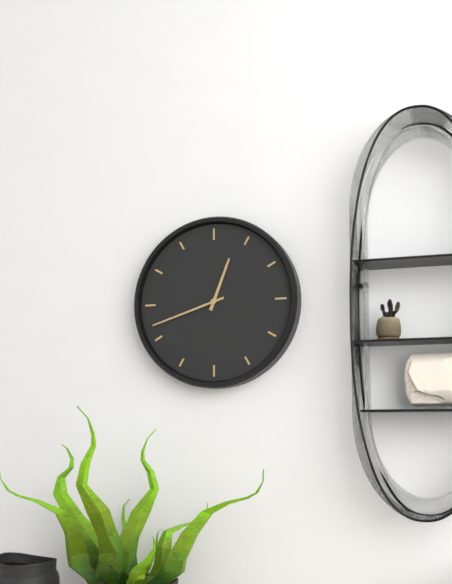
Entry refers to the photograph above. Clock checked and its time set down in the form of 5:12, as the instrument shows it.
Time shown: 12:42
